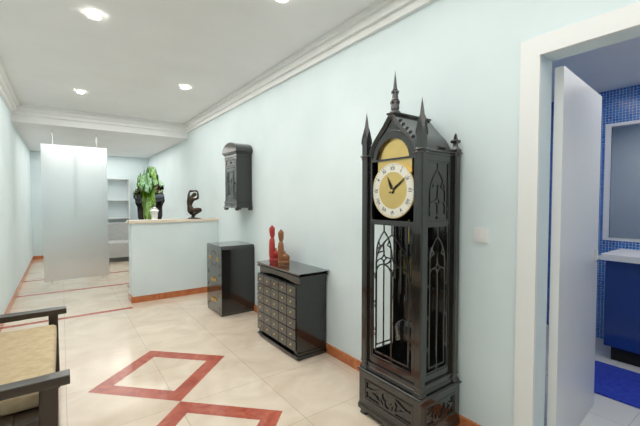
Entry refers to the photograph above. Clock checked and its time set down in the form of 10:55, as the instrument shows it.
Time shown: 11:09
